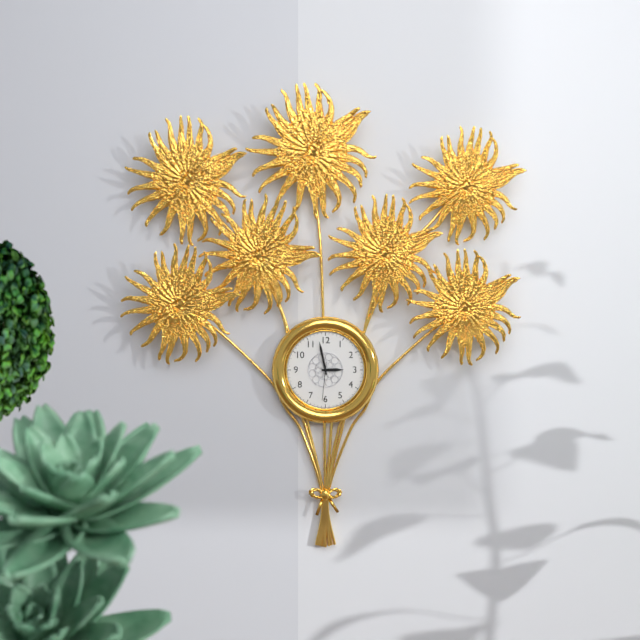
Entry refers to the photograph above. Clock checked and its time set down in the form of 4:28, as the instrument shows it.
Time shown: 2:58
